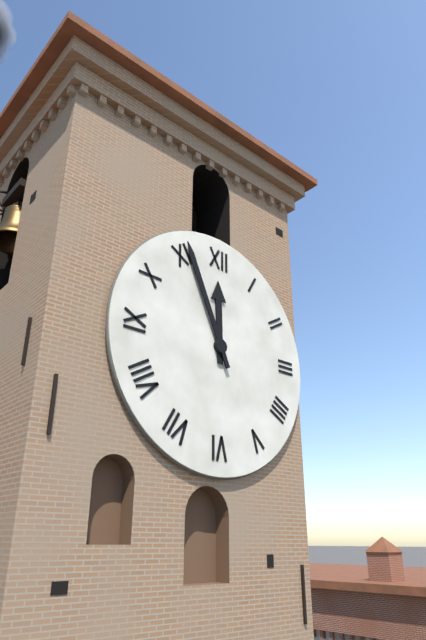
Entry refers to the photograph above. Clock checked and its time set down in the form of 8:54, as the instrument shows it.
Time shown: 11:56
